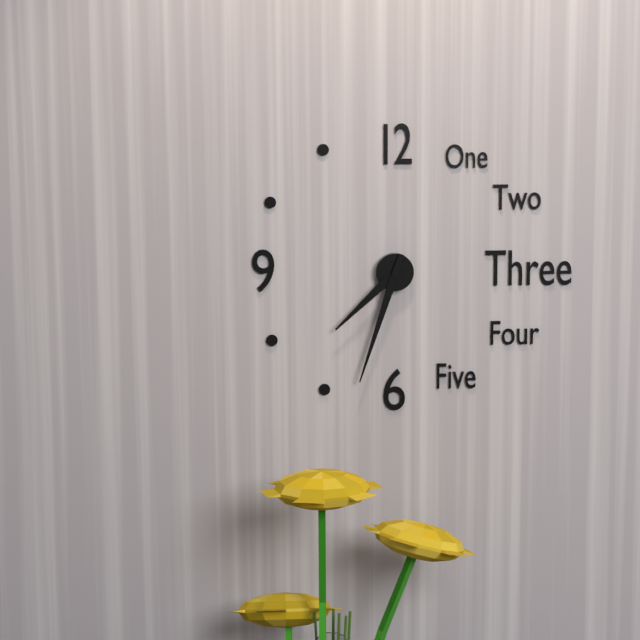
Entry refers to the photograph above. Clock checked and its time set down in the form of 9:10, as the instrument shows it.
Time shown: 7:33
